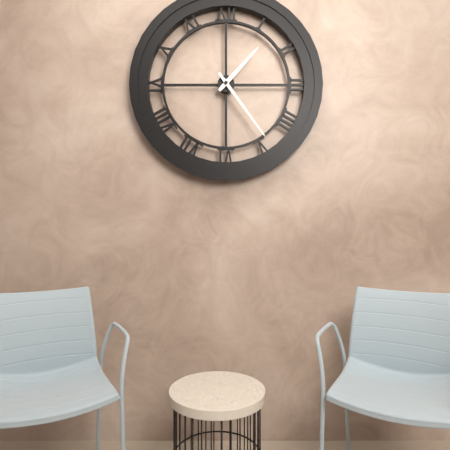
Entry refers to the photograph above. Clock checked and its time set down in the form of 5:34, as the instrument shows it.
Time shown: 1:24
